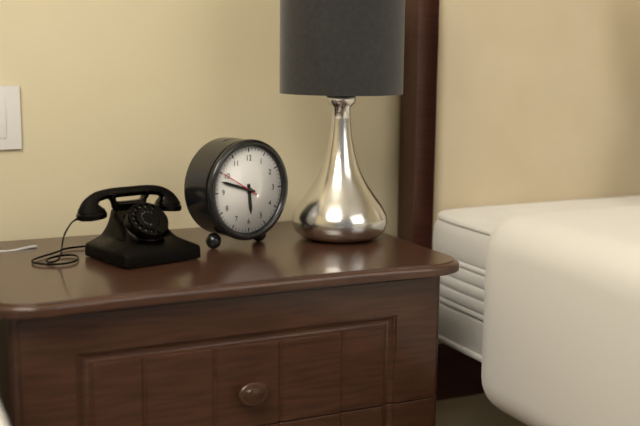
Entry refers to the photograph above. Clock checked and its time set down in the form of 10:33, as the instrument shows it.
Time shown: 5:48
